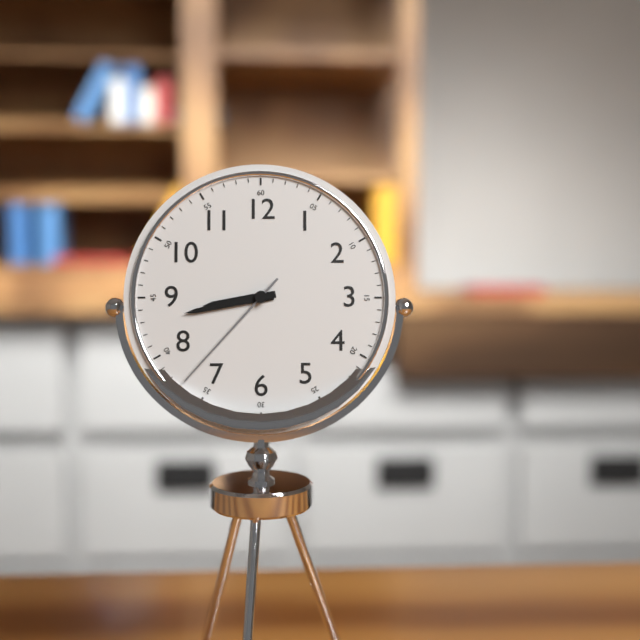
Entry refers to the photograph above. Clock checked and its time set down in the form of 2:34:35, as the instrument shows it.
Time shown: 8:43:37
